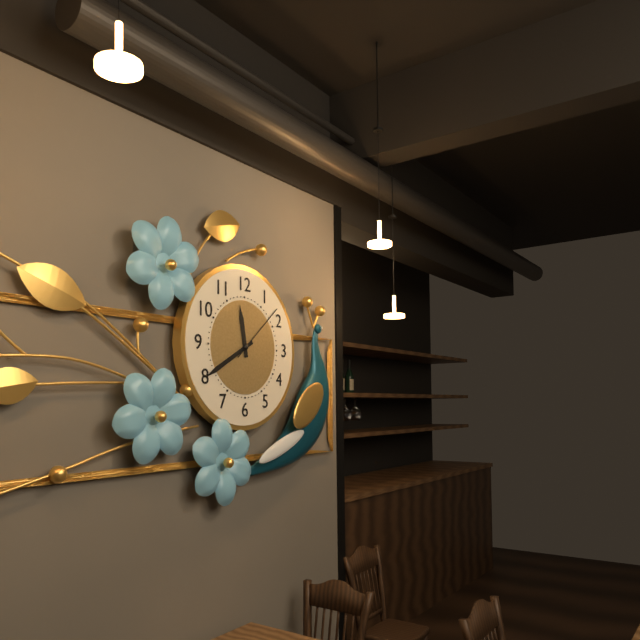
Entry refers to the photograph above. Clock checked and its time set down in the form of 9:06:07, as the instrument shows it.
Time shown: 11:40:08
